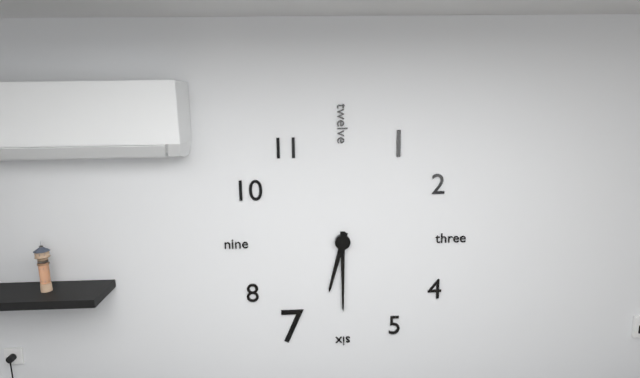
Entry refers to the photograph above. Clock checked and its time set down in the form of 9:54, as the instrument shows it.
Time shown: 6:30
